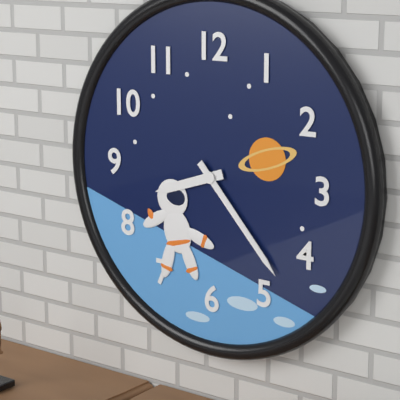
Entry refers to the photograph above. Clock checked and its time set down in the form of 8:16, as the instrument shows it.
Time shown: 8:23
